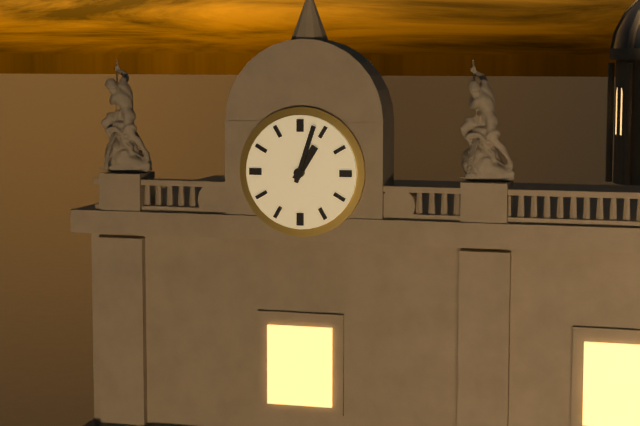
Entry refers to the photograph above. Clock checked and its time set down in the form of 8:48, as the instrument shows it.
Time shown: 1:03
